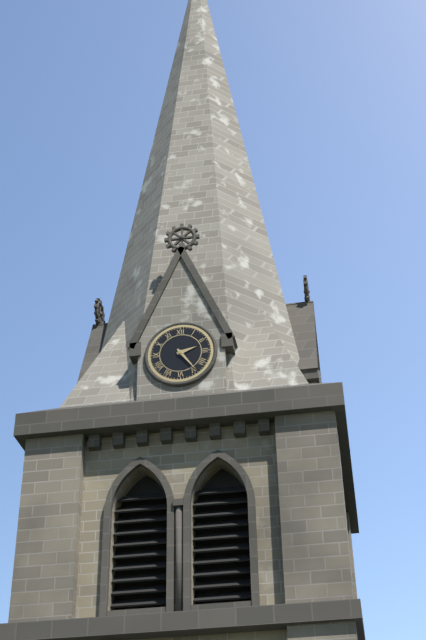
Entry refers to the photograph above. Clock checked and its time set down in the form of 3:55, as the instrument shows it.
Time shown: 2:24
